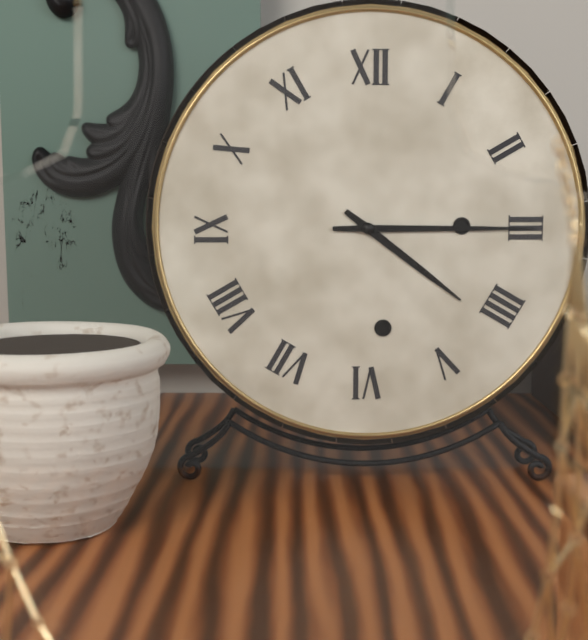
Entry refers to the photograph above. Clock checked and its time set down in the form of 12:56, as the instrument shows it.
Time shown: 4:15
